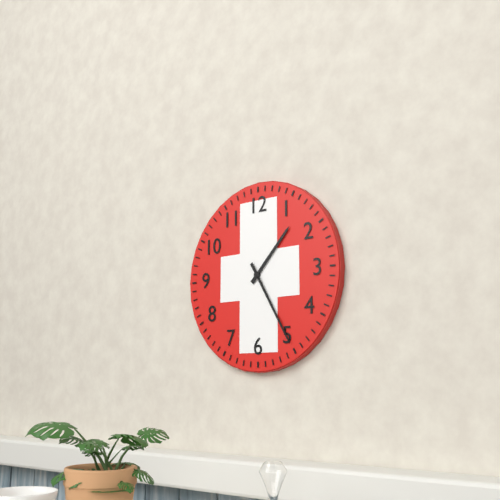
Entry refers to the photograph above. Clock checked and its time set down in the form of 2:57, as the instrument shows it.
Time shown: 1:25
